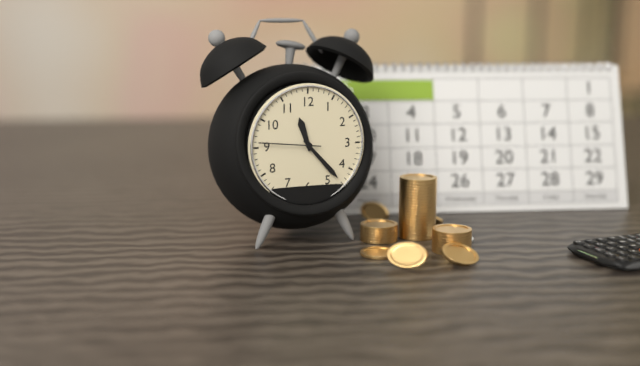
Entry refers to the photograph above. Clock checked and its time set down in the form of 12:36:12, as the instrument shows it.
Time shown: 11:23:46
